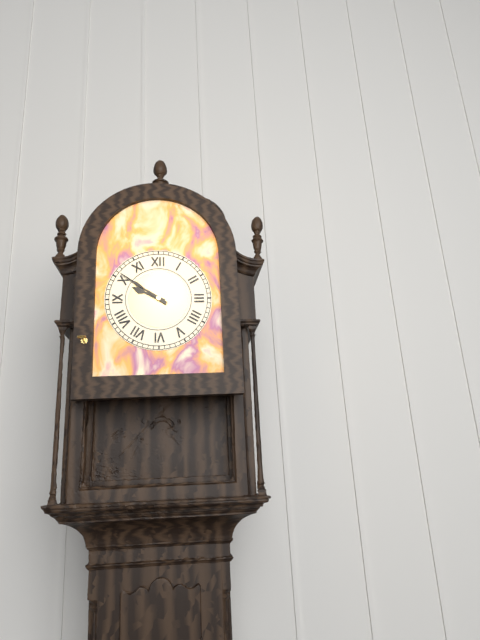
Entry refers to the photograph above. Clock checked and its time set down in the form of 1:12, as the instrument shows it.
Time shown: 9:51
